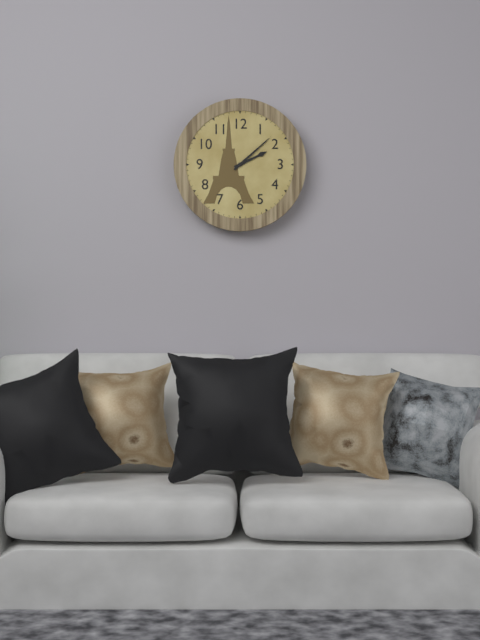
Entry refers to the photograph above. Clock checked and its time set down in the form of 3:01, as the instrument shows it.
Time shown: 2:08
